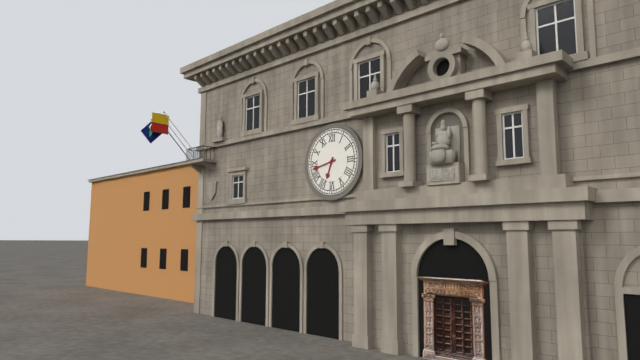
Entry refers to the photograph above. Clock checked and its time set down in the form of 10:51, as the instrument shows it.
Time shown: 6:43
